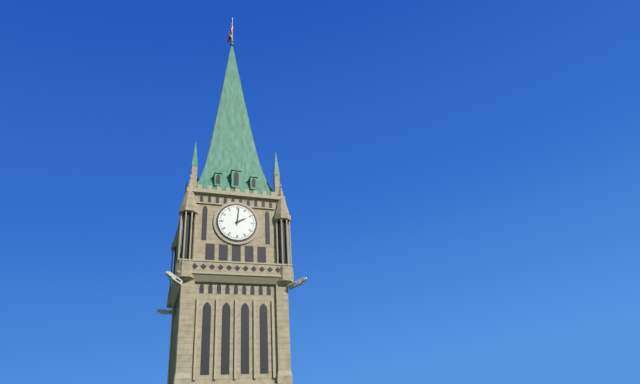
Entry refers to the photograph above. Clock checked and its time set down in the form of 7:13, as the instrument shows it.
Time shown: 2:01
